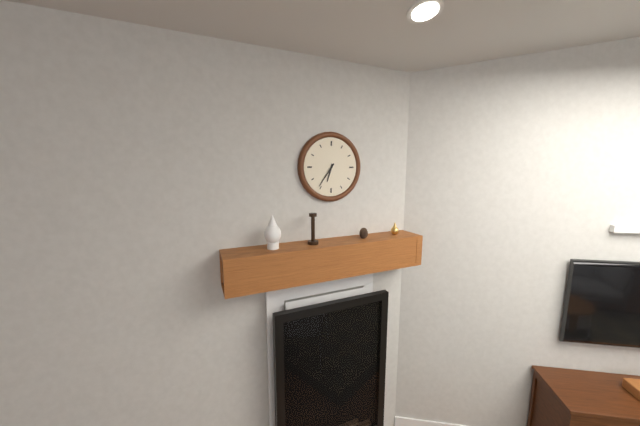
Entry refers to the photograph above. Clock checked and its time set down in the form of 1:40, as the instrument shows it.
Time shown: 6:36
